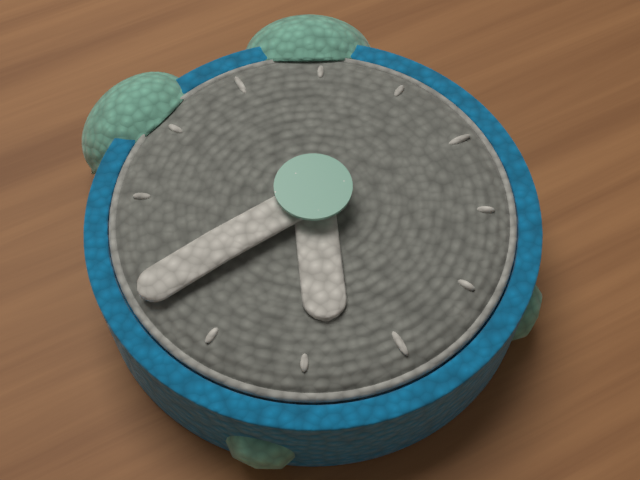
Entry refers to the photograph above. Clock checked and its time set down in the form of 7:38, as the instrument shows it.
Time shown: 6:44
